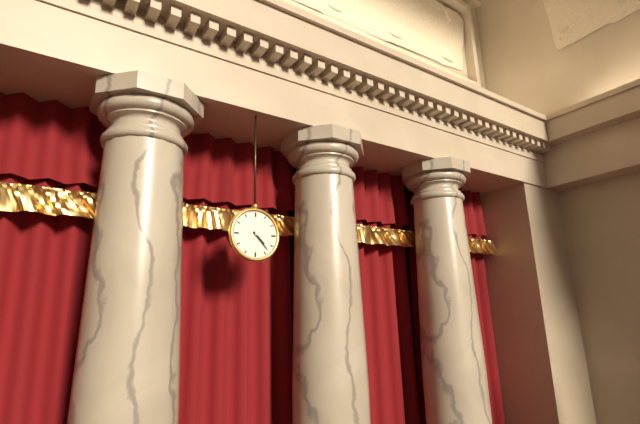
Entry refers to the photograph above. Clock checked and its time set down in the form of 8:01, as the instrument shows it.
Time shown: 4:23
